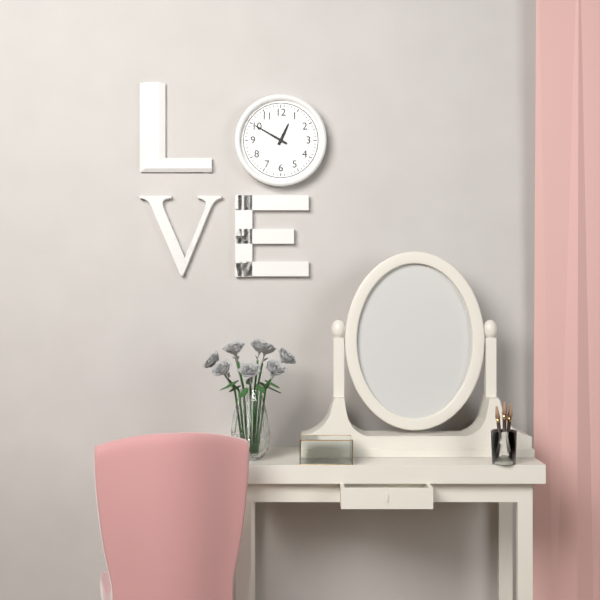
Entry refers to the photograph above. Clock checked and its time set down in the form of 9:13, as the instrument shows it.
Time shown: 12:50
